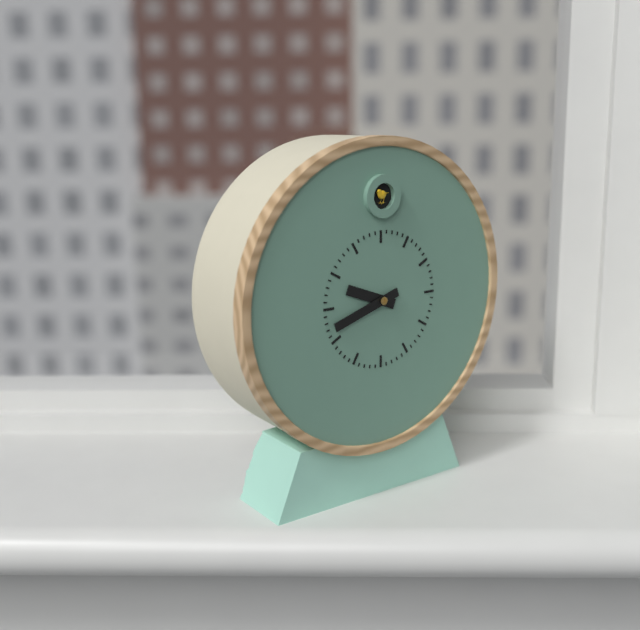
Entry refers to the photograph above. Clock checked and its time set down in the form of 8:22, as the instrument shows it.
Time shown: 9:42
